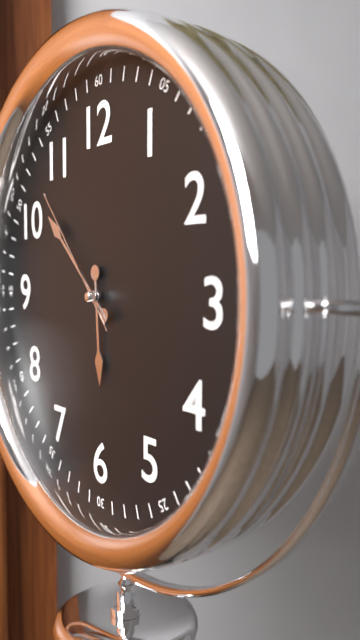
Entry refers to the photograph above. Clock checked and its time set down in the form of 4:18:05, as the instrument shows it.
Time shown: 5:52:53
